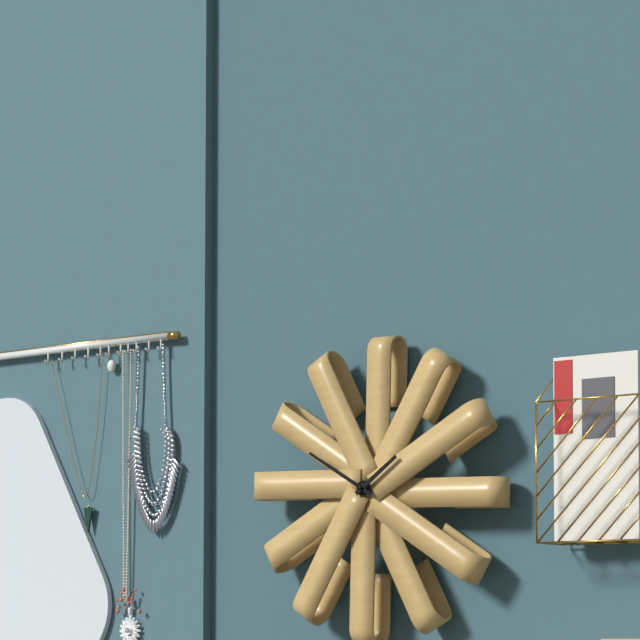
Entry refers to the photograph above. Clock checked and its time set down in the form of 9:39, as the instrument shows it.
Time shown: 1:50
